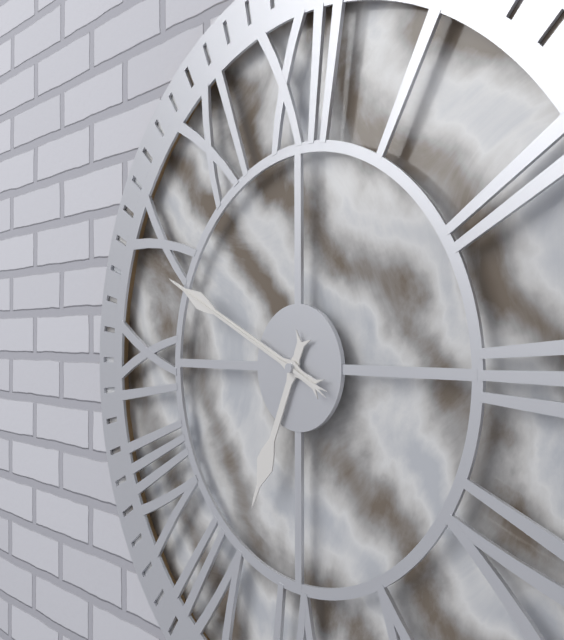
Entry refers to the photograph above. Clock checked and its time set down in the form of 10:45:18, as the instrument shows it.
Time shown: 6:49:49
